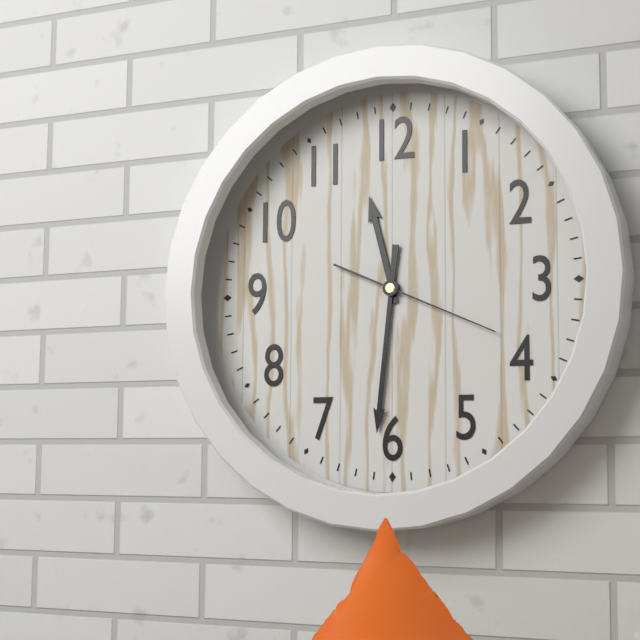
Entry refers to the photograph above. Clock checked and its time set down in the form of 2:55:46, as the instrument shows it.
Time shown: 11:31:19
